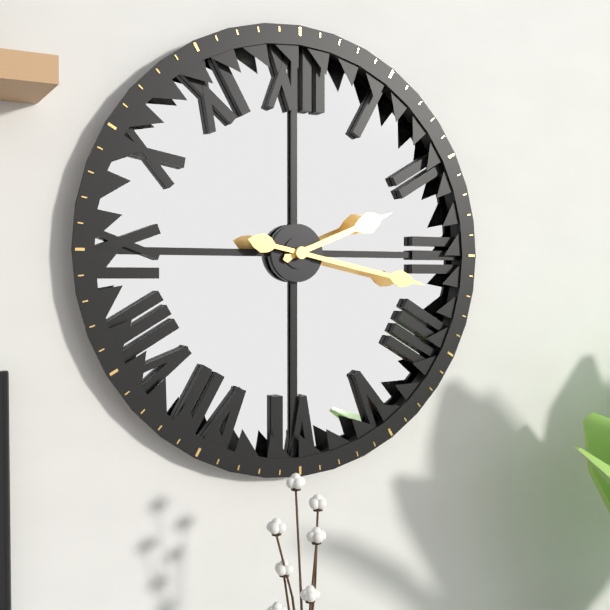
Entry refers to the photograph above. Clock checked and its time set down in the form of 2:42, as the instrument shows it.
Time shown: 2:17
